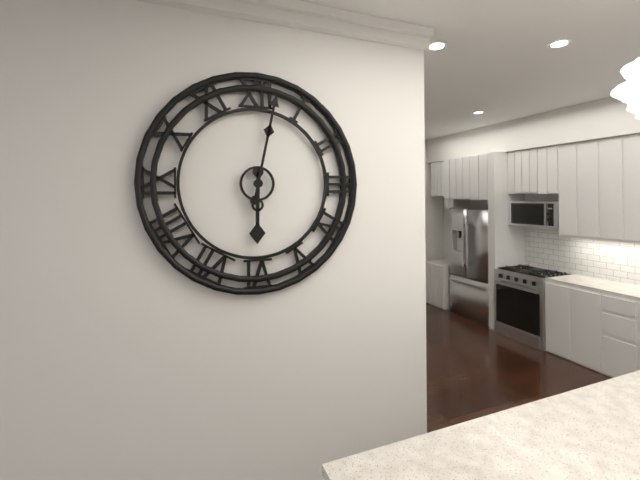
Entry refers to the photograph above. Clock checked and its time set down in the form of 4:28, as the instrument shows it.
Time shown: 6:02
